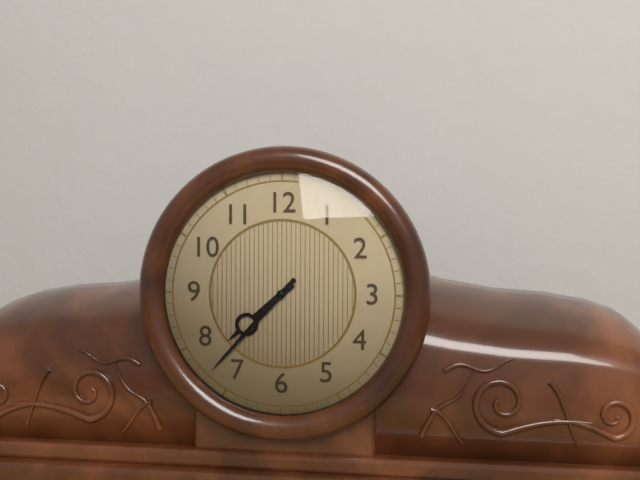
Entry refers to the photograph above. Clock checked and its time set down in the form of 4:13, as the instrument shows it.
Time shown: 7:37
